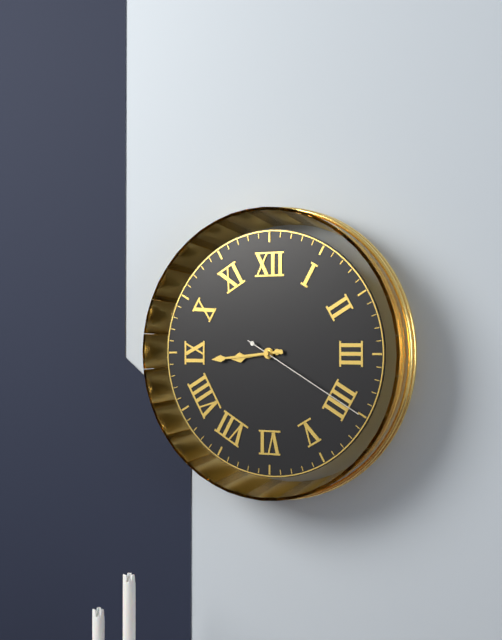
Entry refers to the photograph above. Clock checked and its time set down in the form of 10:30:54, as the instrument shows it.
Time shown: 8:44:20
